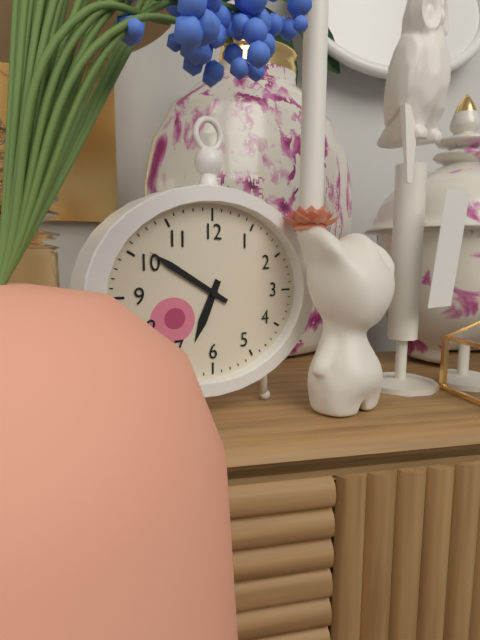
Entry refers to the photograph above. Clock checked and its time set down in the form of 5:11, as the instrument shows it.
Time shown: 6:50
